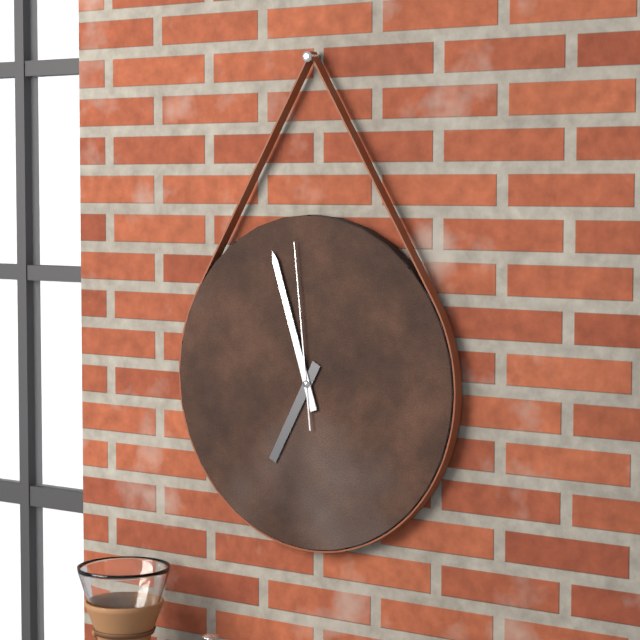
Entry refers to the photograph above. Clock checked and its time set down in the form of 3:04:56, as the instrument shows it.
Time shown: 6:57:59
